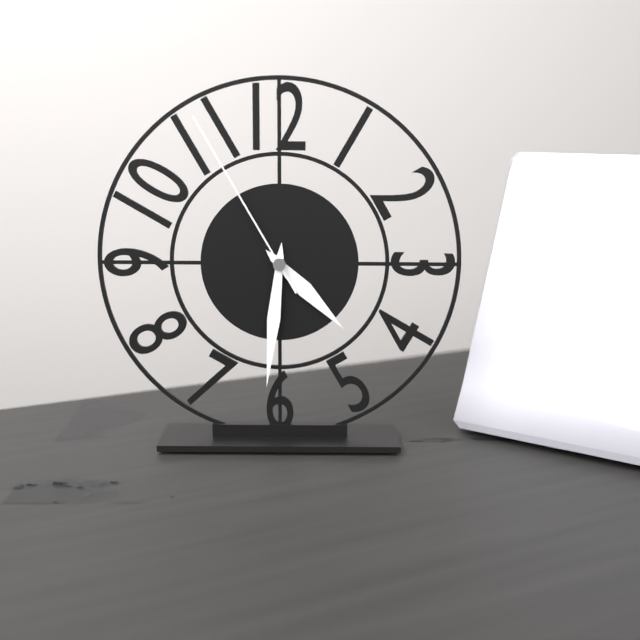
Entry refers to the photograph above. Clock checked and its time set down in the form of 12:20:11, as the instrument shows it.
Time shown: 4:31:55
